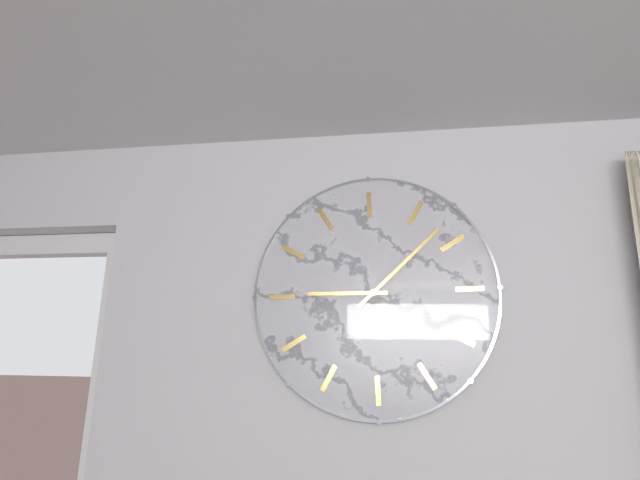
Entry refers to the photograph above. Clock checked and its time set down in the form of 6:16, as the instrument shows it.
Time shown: 8:03
